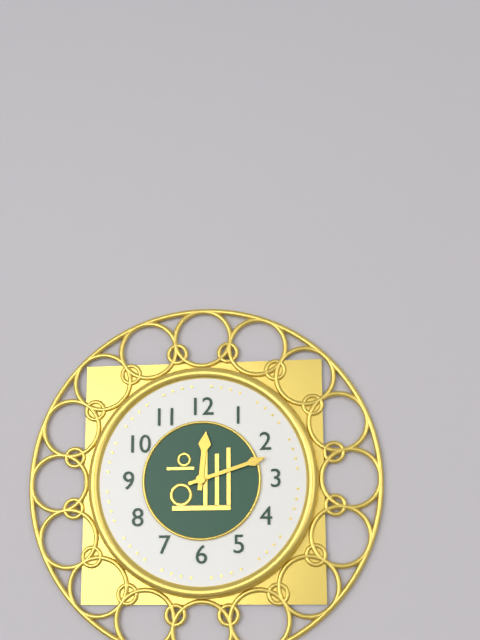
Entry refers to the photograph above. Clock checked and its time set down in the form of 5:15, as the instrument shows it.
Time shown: 12:12
